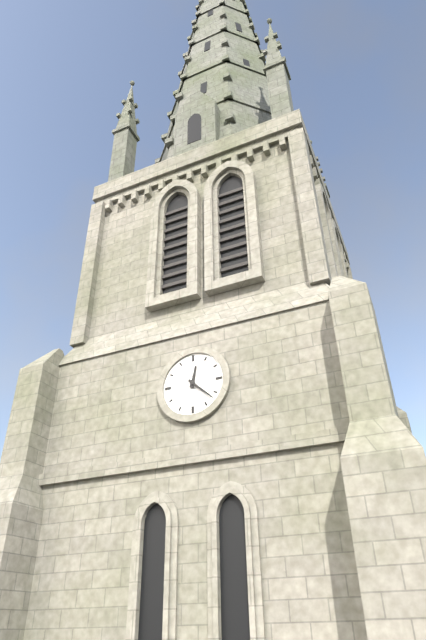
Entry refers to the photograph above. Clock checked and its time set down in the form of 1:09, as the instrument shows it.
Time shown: 12:22
